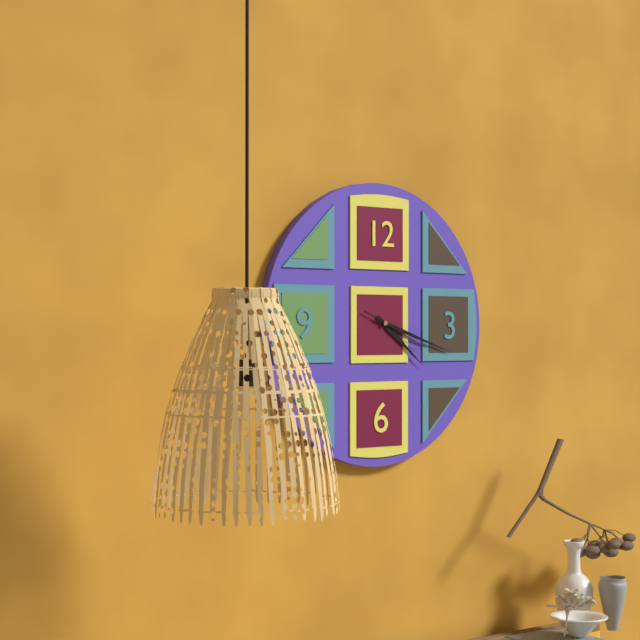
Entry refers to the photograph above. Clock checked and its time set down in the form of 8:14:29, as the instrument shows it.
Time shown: 4:18:19
